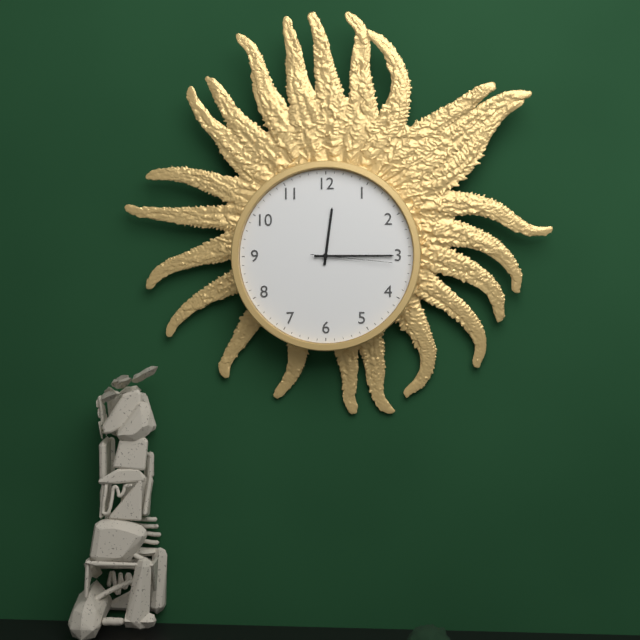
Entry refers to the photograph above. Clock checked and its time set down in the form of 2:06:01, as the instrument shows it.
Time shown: 12:15:16
